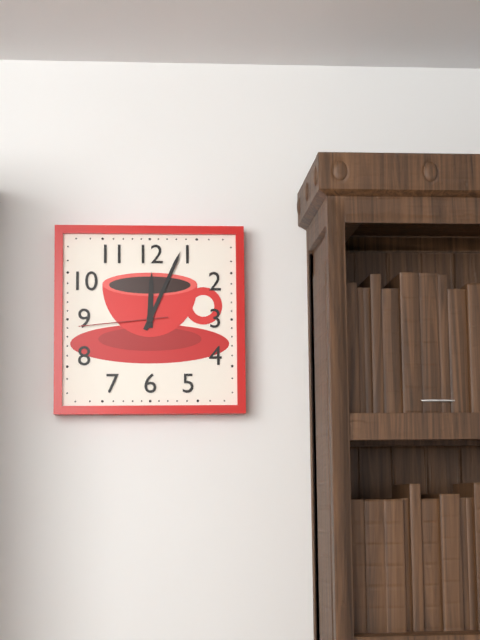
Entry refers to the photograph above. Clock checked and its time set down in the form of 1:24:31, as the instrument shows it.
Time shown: 12:04:44
